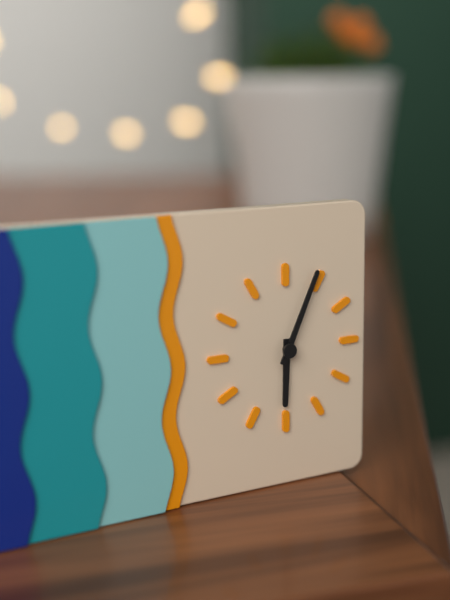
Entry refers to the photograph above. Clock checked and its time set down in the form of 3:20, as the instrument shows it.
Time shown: 6:04
